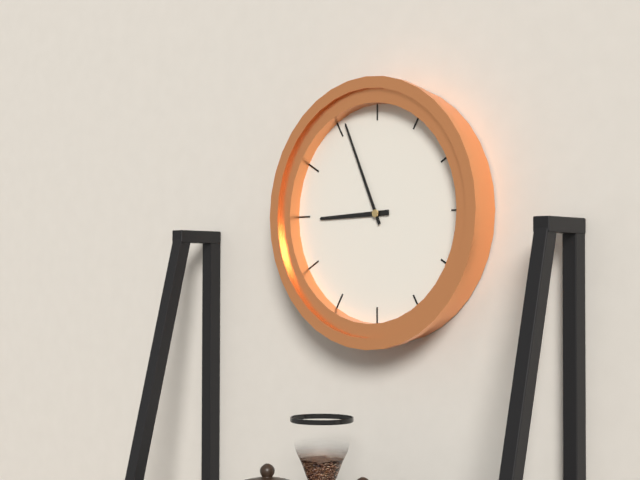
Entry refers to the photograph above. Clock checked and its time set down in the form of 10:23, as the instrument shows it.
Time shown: 8:56
